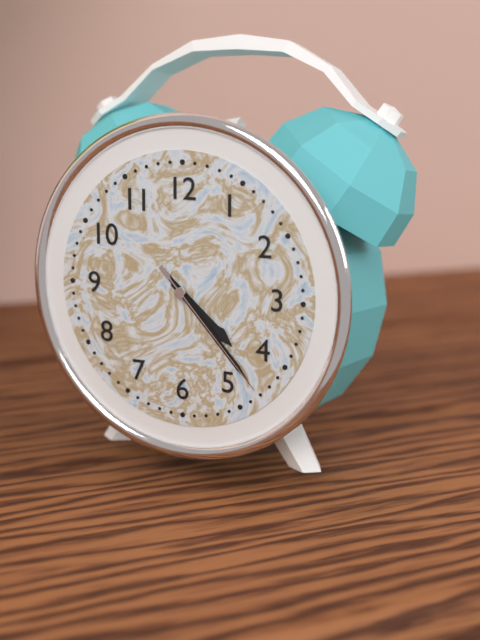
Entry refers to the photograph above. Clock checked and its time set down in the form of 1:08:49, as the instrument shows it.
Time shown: 4:23:23
